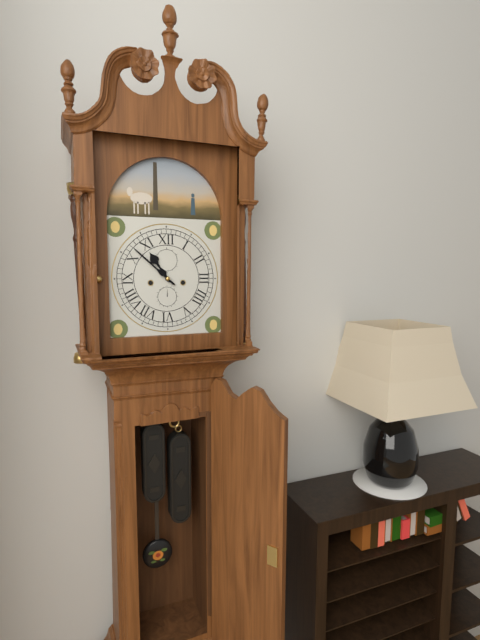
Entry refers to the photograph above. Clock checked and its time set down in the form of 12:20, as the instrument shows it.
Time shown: 10:52
